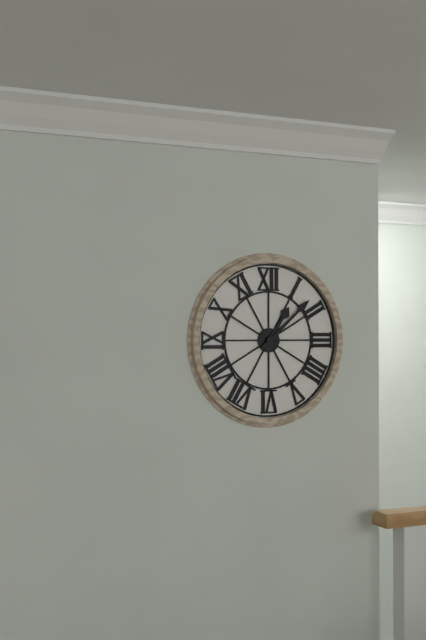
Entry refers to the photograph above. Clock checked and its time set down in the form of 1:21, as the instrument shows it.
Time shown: 1:08
